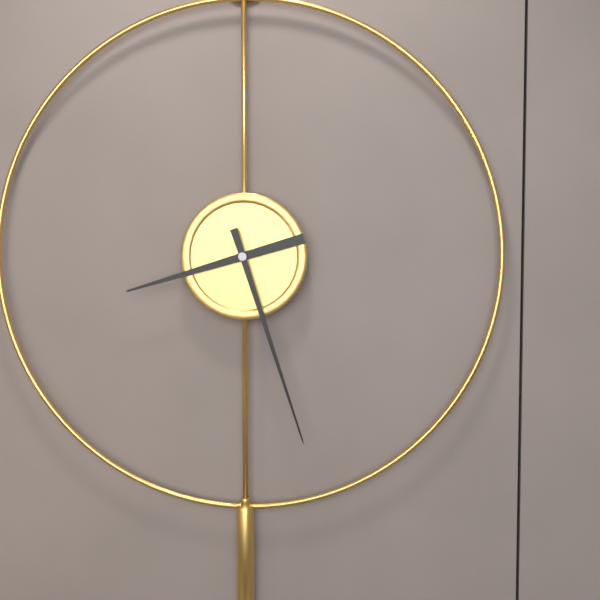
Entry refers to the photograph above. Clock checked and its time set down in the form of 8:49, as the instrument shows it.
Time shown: 8:27
